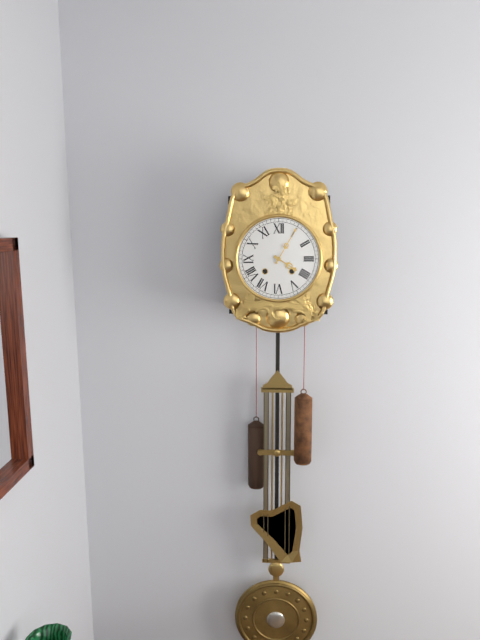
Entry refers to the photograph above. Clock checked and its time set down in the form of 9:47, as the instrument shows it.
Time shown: 4:05
